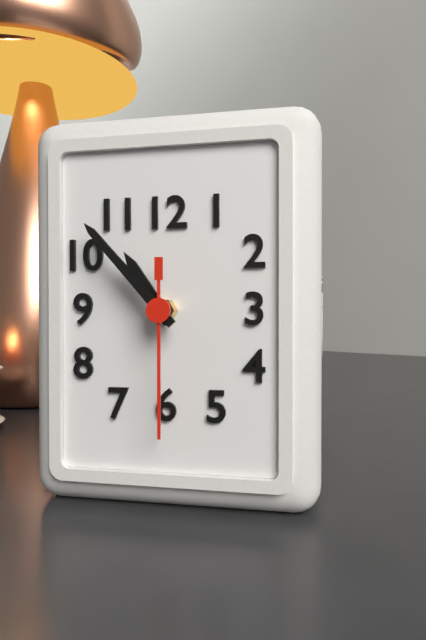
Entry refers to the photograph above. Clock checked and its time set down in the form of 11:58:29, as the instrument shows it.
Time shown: 10:53:30
